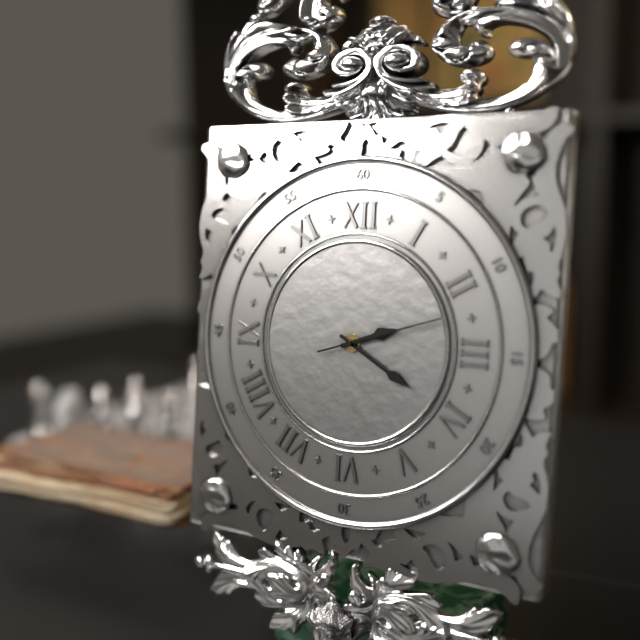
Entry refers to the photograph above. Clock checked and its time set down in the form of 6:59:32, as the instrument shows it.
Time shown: 2:20:12
